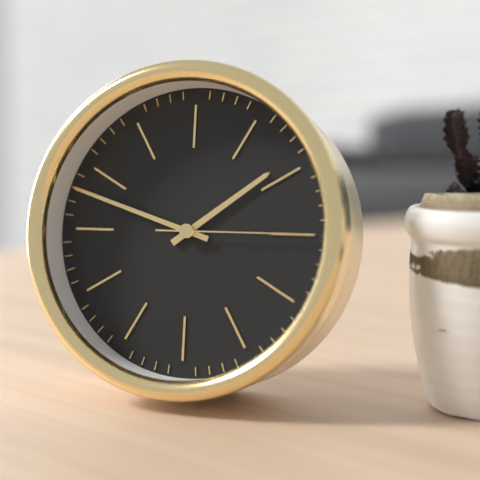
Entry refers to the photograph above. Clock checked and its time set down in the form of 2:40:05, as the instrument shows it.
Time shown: 1:48:15
